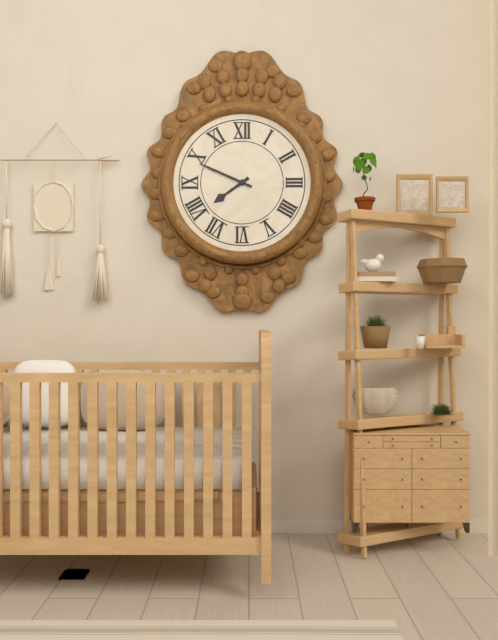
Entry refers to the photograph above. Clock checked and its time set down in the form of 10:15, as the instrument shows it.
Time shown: 7:49
